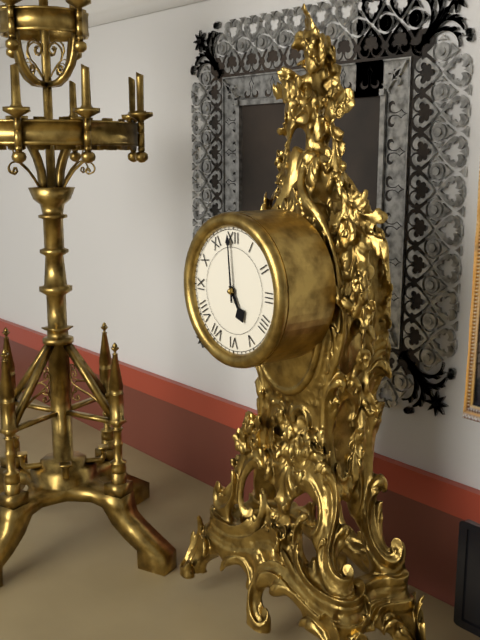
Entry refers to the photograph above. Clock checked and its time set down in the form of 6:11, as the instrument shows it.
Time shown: 4:59
